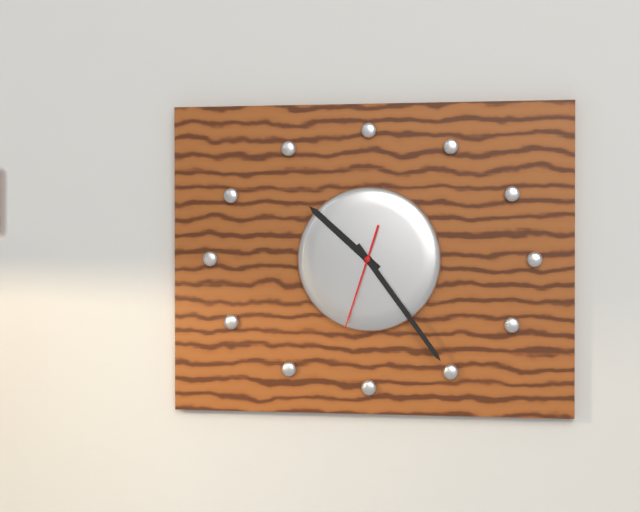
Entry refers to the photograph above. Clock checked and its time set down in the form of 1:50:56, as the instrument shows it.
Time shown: 10:24:33
